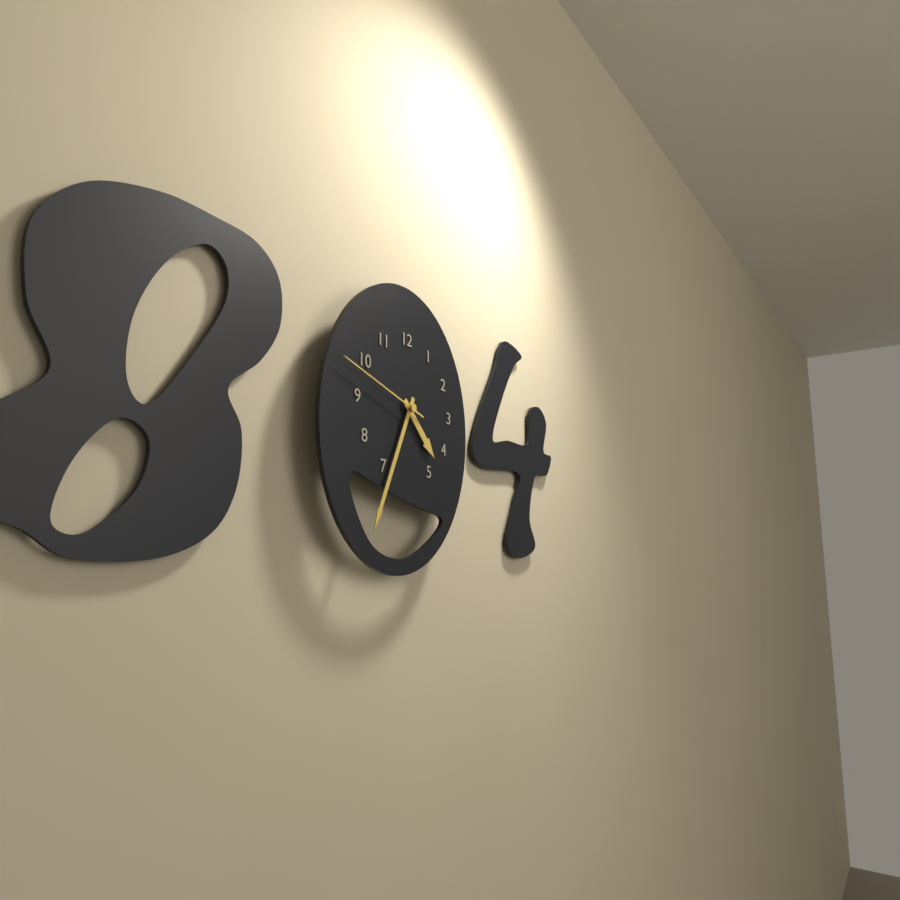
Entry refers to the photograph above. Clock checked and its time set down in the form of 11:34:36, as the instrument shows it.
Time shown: 4:34:48
